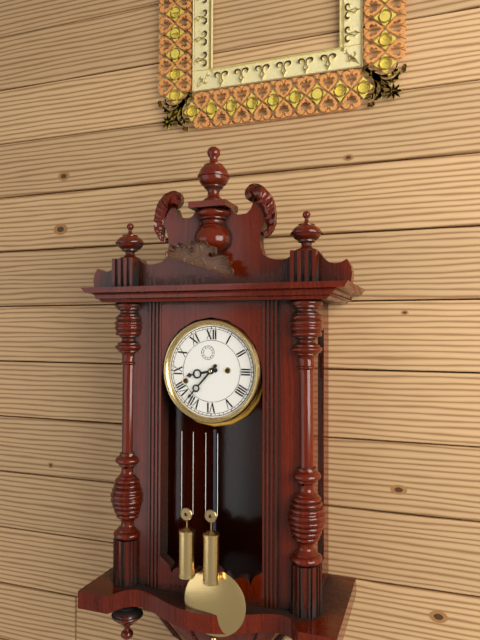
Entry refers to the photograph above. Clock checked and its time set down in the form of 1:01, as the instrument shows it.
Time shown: 8:37
